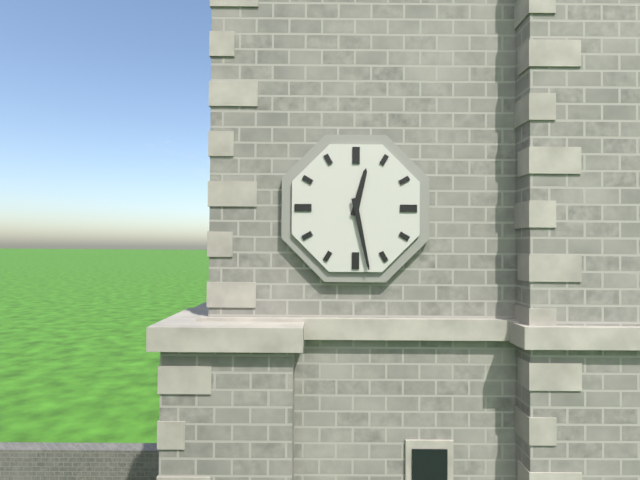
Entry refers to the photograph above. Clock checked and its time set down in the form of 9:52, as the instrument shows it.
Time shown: 12:28
